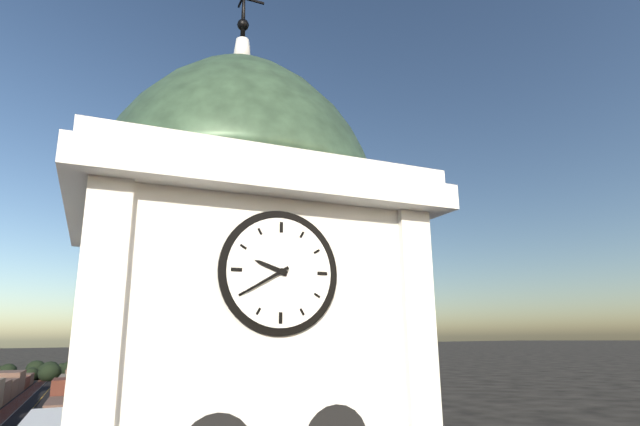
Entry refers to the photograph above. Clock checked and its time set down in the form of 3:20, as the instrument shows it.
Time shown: 9:40
